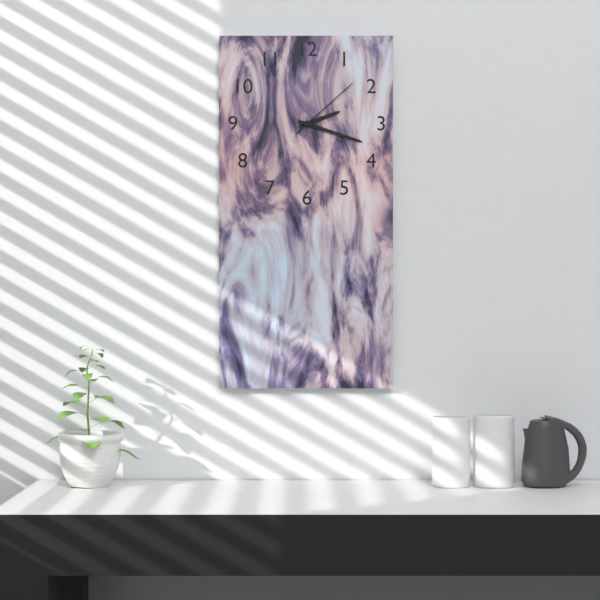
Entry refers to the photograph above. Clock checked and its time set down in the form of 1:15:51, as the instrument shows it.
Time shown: 2:18:08
